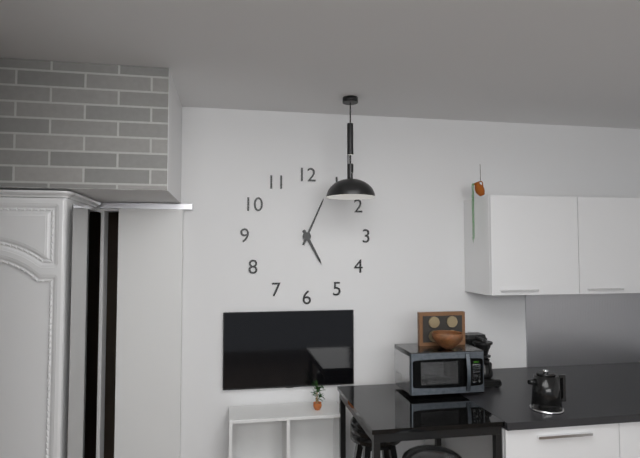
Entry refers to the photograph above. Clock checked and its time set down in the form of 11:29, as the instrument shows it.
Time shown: 5:04
